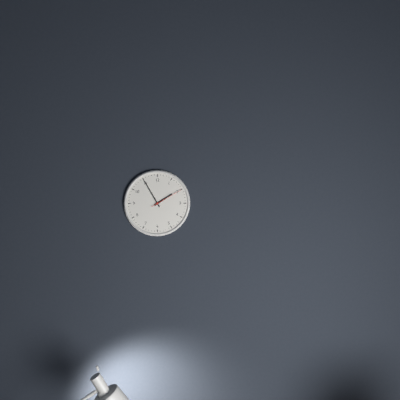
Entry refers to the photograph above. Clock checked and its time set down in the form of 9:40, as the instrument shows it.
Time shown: 1:55
